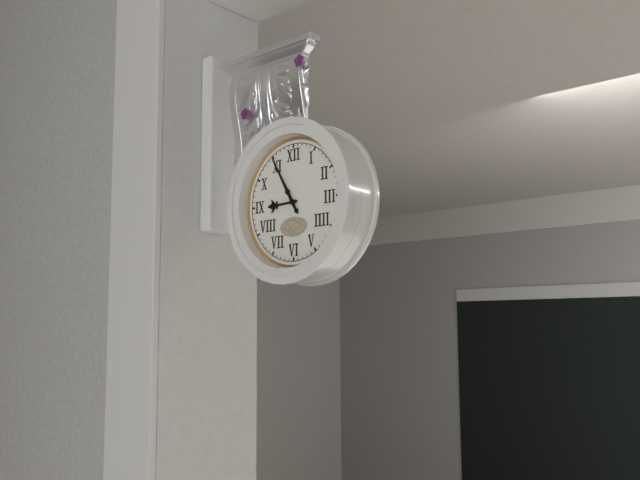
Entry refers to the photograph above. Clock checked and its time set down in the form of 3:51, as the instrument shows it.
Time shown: 8:55
